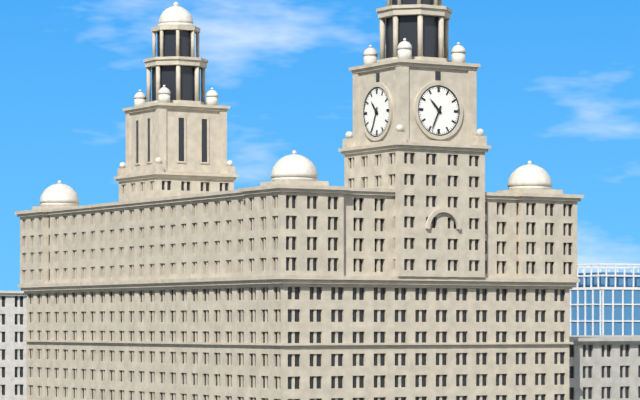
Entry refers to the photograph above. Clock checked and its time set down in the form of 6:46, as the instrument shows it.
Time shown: 10:34
